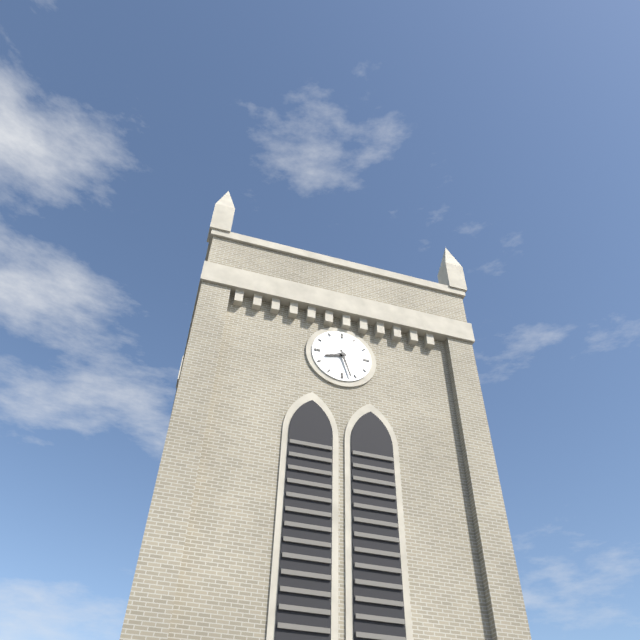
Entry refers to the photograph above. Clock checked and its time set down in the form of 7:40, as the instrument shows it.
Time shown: 8:27
